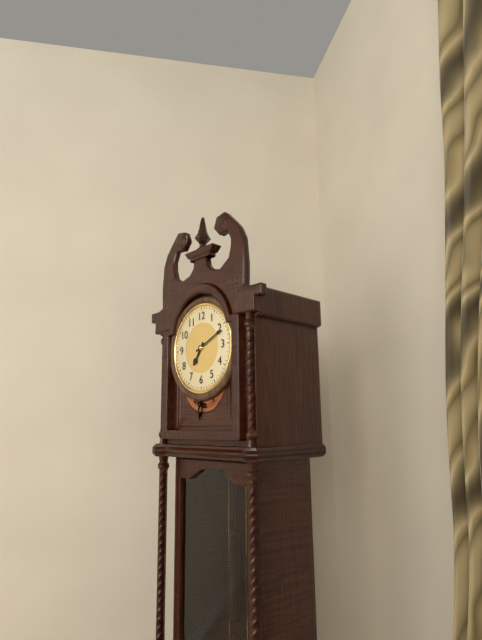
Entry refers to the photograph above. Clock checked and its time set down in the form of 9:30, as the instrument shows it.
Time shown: 7:11
